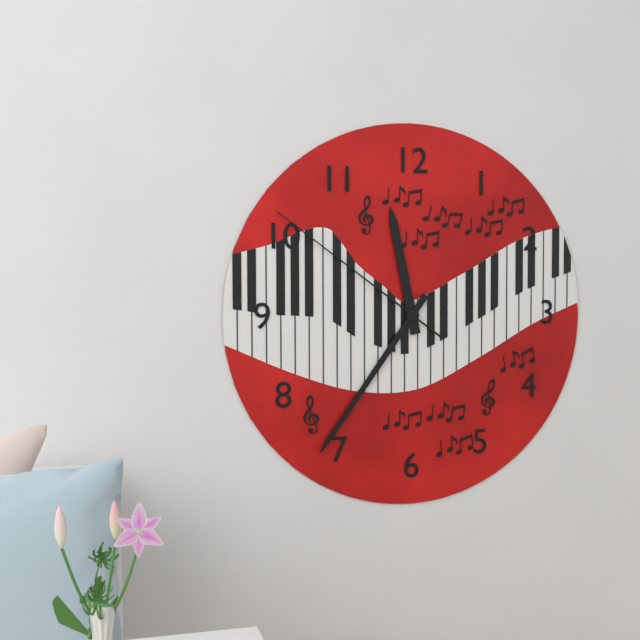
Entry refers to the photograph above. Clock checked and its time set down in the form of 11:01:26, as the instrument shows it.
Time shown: 11:36:51
